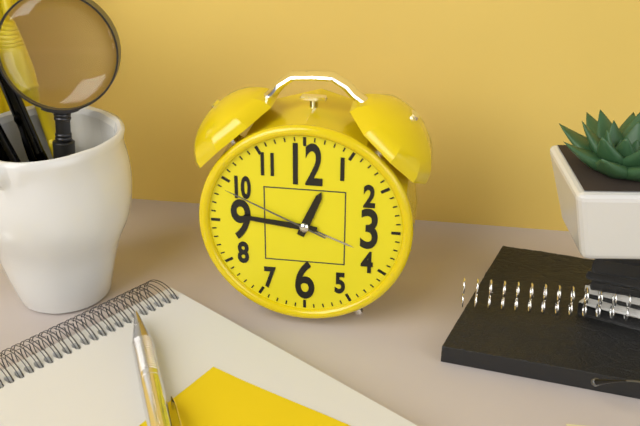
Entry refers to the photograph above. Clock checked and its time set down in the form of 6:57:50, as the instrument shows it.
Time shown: 12:46:49
